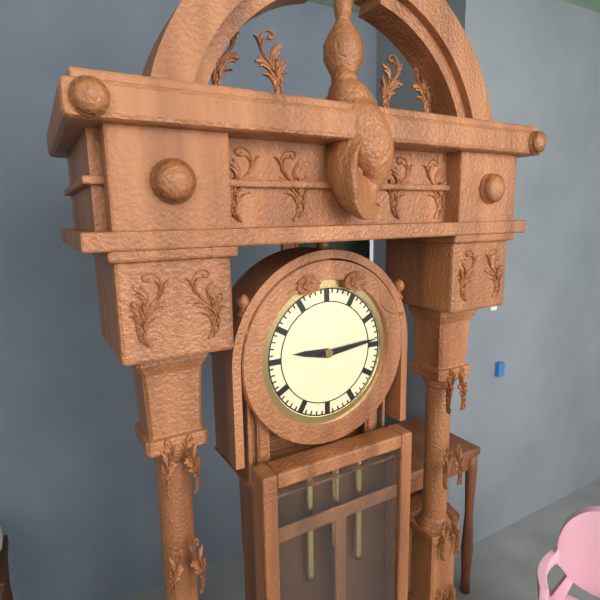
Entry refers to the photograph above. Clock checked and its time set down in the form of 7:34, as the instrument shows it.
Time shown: 9:14
